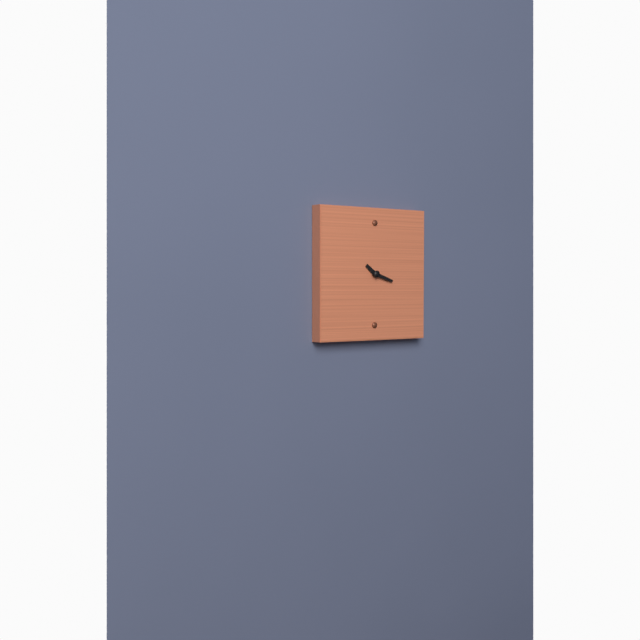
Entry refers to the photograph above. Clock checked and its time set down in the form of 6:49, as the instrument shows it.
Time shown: 10:18
